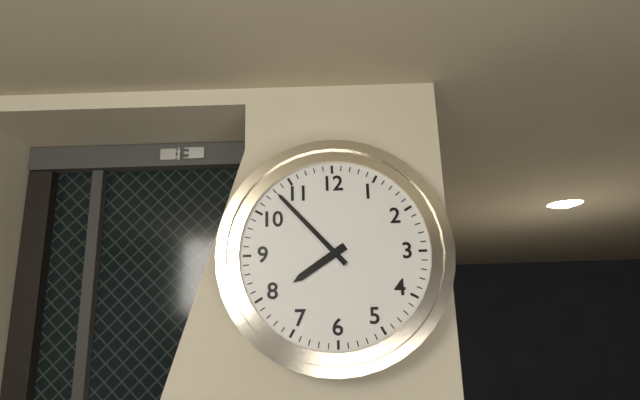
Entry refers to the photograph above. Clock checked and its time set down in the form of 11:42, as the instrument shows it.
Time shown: 7:53
